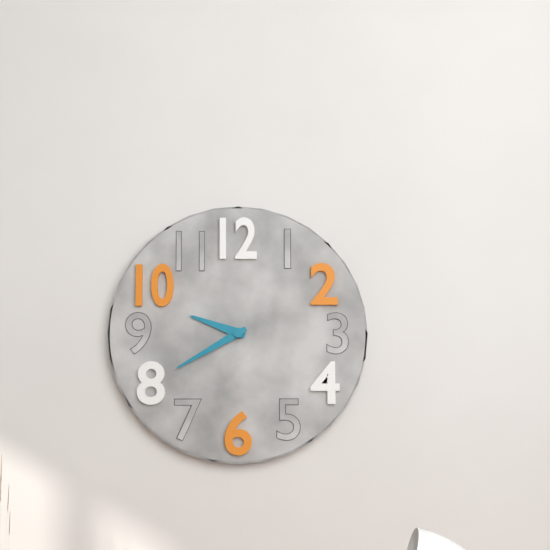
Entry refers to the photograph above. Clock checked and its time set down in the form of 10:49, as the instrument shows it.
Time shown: 9:40
